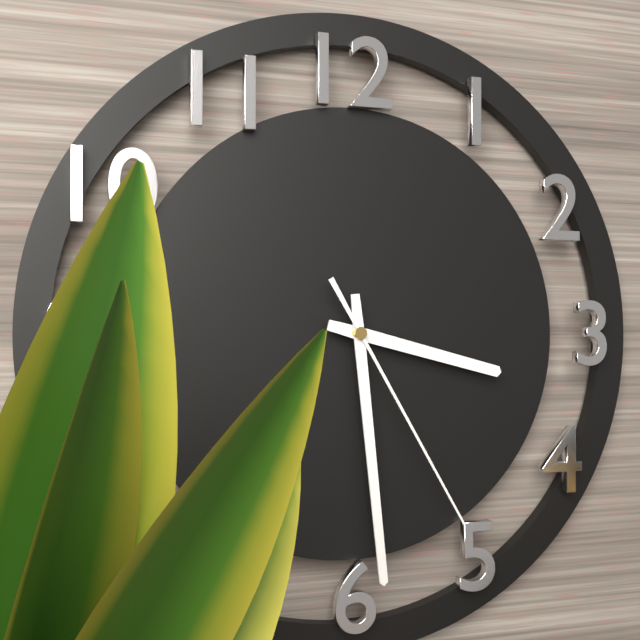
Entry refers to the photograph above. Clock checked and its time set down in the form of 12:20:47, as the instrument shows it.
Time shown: 3:29:25
